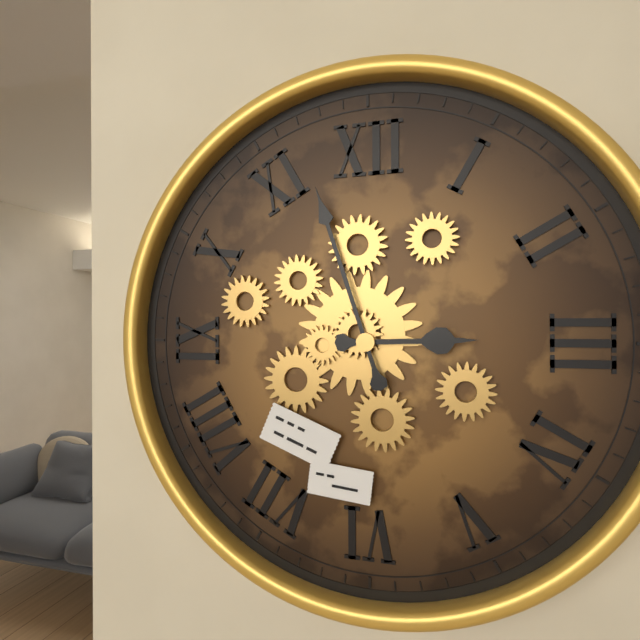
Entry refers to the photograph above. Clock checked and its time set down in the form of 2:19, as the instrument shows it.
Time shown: 2:57
